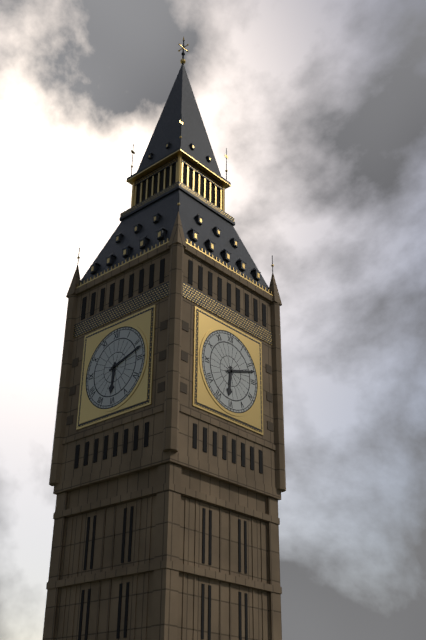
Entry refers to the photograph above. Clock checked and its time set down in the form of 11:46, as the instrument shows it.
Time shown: 6:12
